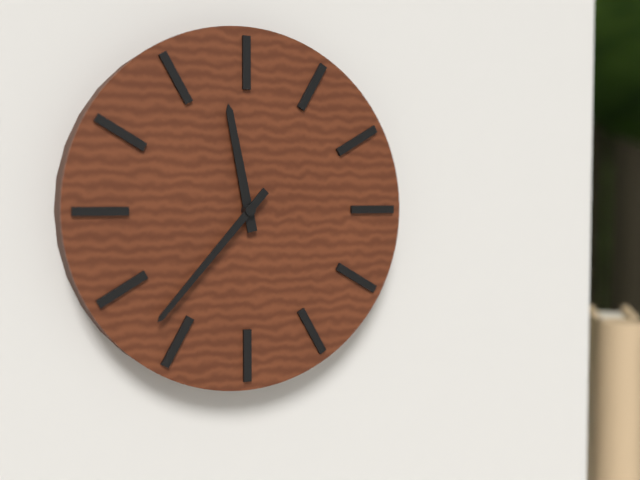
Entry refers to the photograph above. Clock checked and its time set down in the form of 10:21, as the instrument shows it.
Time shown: 11:37
